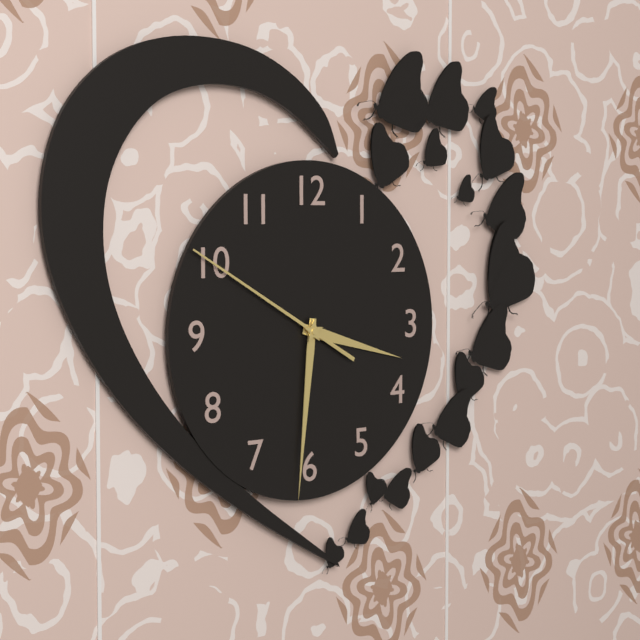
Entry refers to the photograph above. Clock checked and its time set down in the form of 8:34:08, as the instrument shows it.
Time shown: 3:31:50
